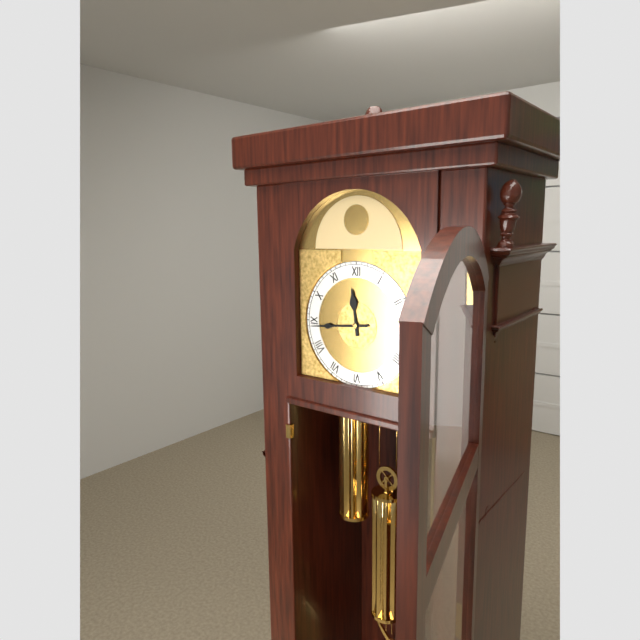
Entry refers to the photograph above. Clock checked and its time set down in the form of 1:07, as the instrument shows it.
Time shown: 11:44
